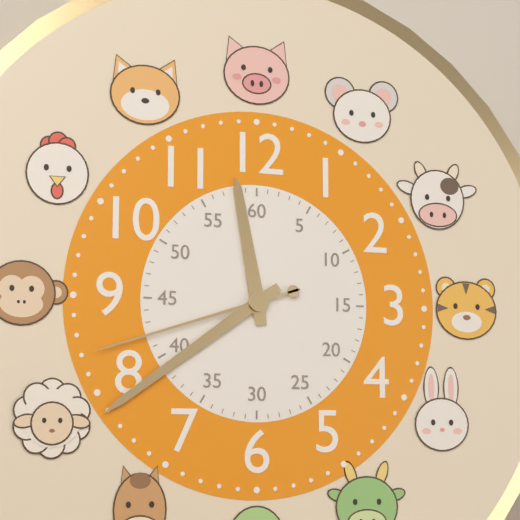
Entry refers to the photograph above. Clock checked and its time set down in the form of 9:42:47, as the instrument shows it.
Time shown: 11:39:42
